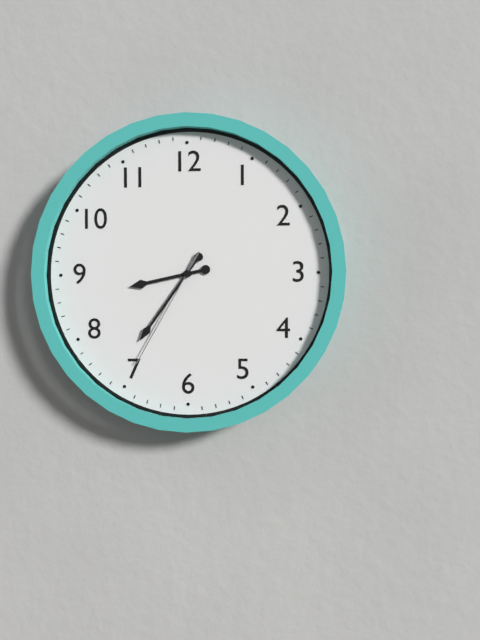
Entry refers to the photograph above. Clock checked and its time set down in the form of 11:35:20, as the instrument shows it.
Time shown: 8:36:35
